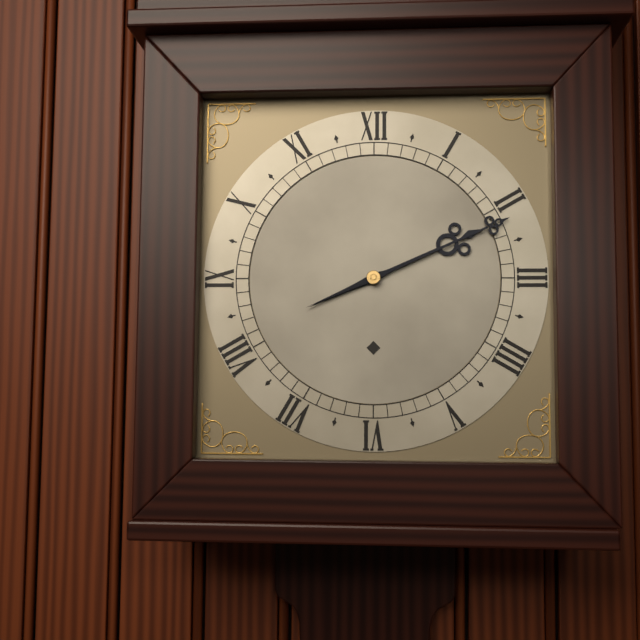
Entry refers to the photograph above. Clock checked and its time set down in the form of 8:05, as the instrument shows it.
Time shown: 2:11
